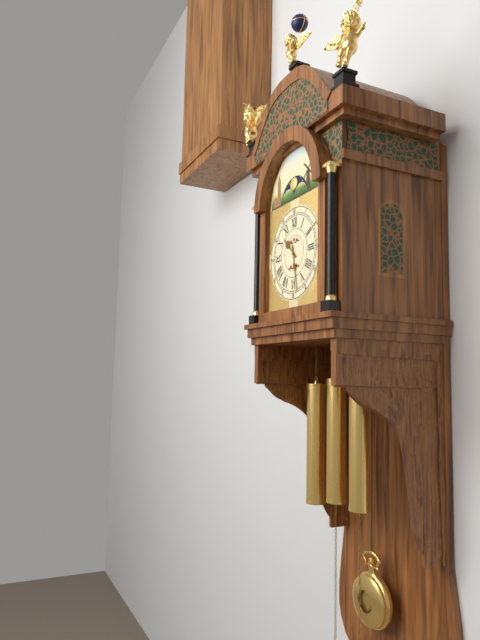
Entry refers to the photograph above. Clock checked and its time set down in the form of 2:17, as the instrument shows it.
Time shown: 10:28
